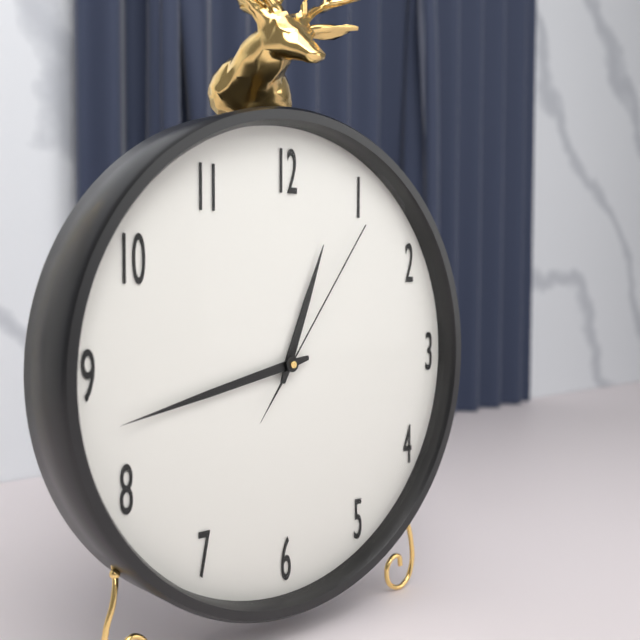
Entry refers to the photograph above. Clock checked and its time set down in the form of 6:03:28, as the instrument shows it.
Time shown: 12:43:06
